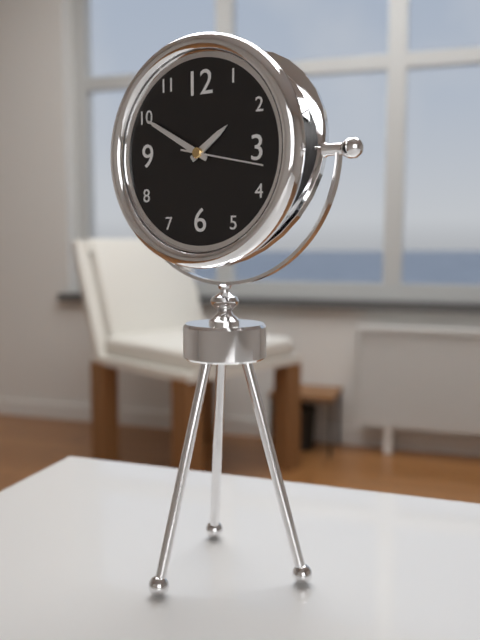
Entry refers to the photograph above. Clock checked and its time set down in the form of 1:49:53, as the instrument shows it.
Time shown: 1:50:17
